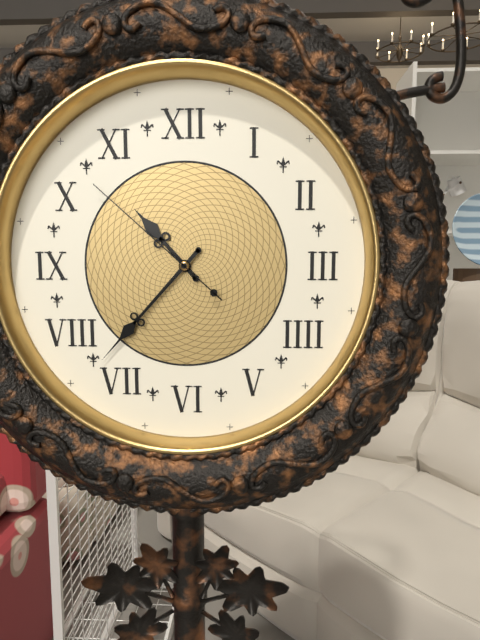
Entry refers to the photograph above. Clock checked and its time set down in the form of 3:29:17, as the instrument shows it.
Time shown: 10:37:52
